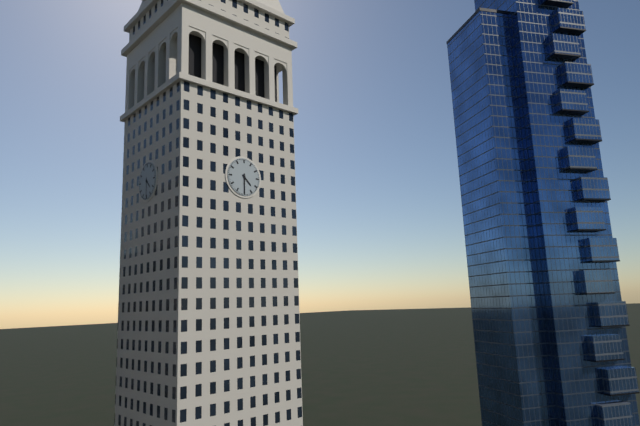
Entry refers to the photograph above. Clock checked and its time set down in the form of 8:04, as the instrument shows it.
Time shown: 4:30
